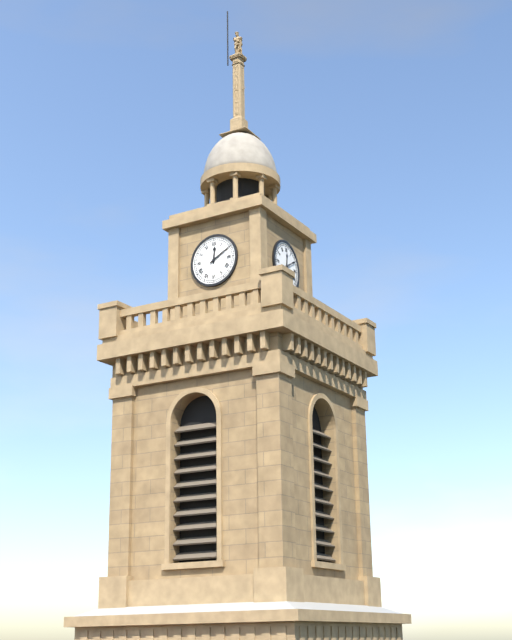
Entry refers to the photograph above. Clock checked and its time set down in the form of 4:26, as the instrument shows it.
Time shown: 12:10
